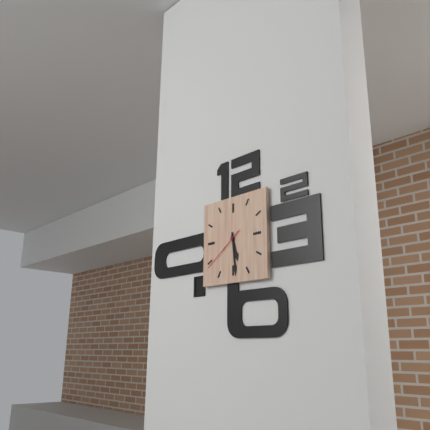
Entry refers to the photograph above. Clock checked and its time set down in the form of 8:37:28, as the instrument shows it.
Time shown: 5:29:39
